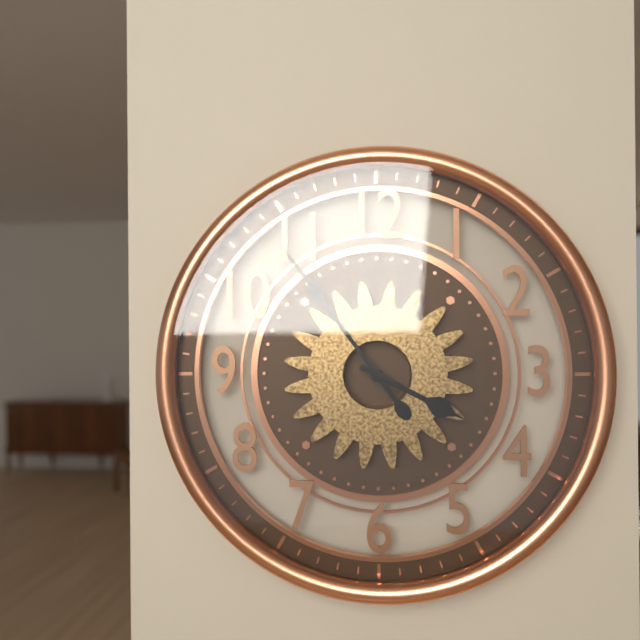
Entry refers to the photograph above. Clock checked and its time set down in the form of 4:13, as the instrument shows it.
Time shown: 3:54
